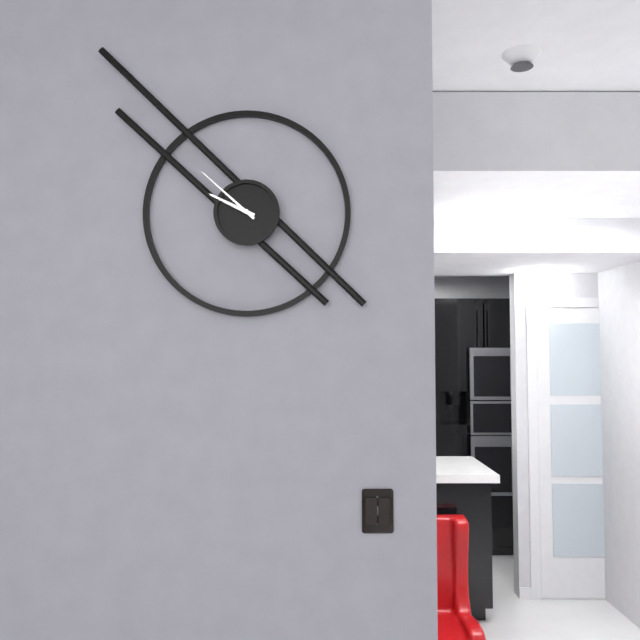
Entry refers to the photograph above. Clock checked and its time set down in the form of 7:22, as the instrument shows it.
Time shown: 9:52
